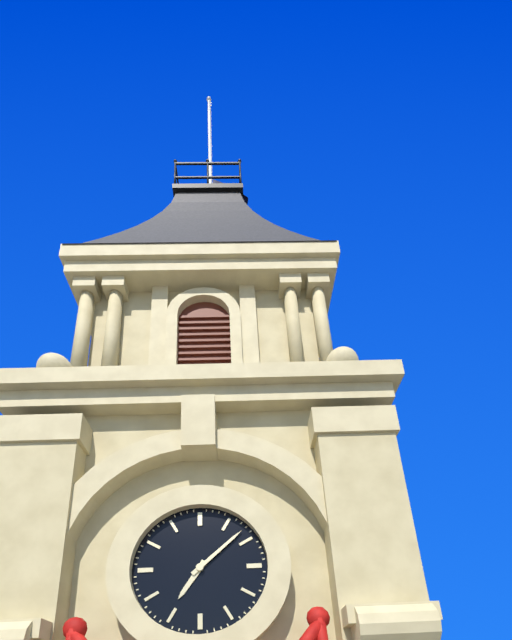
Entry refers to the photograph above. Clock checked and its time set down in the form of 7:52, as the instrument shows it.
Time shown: 7:08
